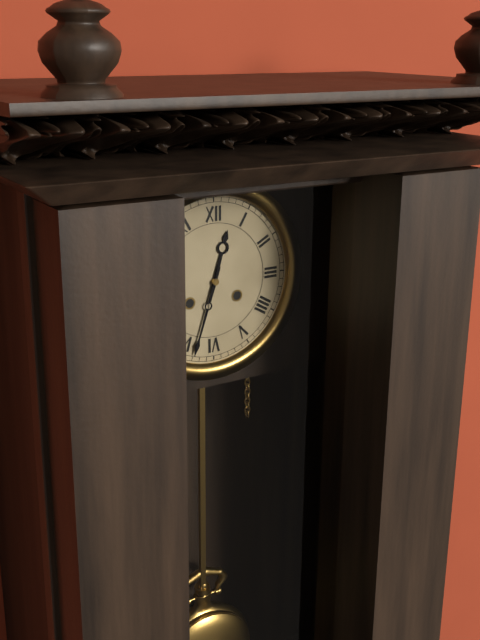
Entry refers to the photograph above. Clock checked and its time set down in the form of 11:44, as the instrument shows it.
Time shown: 12:33
